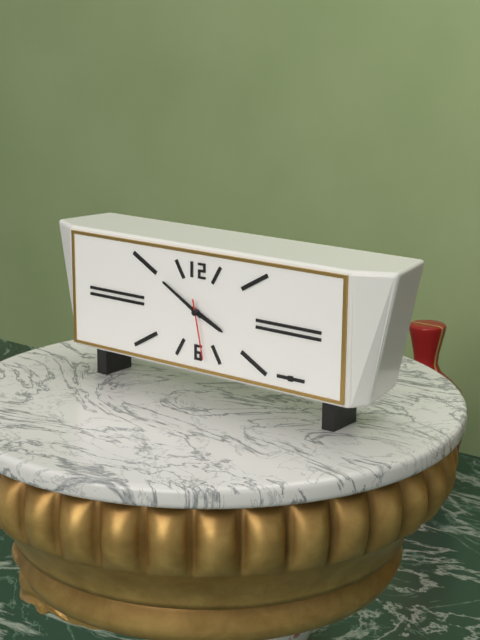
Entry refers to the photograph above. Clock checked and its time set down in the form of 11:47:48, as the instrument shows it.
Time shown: 3:50:28
